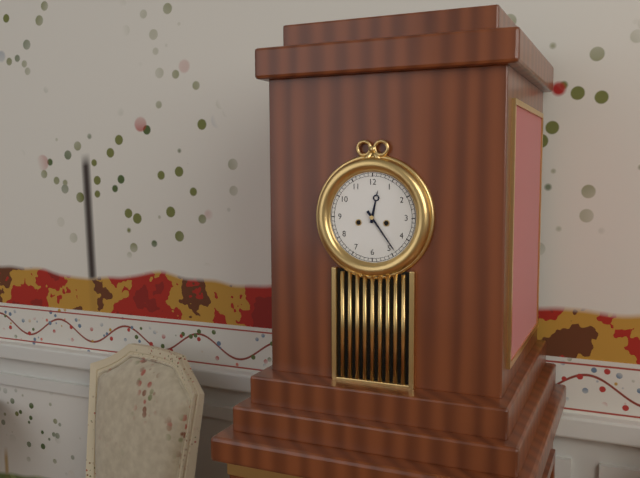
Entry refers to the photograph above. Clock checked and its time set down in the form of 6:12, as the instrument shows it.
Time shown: 12:24
